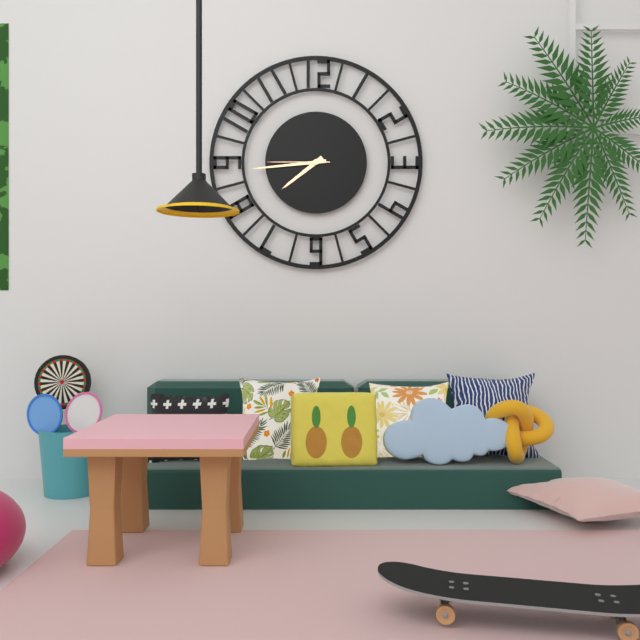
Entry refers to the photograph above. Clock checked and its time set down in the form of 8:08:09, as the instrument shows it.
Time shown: 7:44:45
